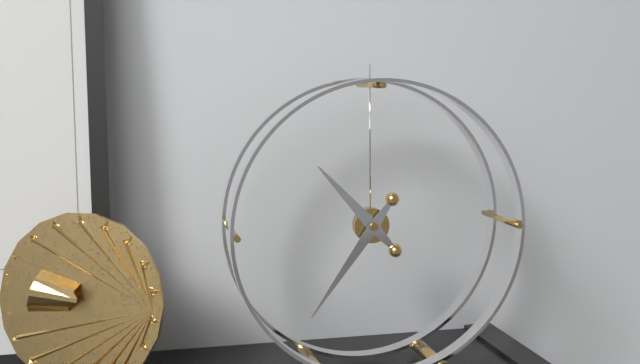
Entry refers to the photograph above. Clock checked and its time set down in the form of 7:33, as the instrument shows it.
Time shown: 10:36
